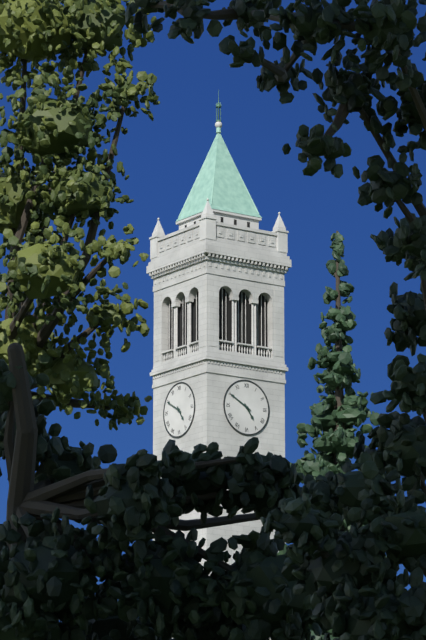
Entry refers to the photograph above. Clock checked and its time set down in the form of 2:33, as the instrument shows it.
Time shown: 4:50
